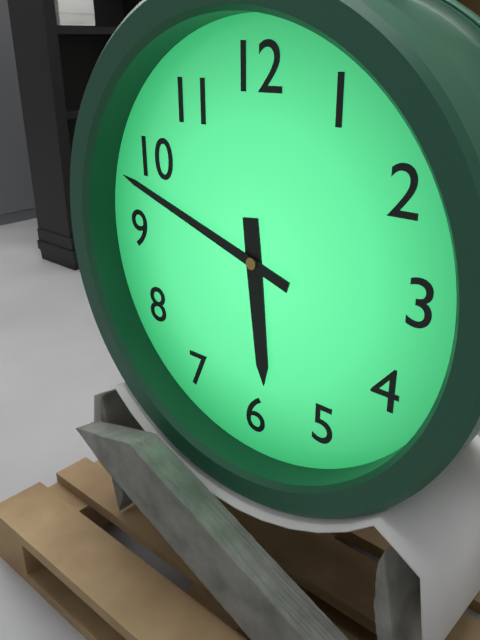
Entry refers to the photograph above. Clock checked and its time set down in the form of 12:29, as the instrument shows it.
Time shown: 5:48
